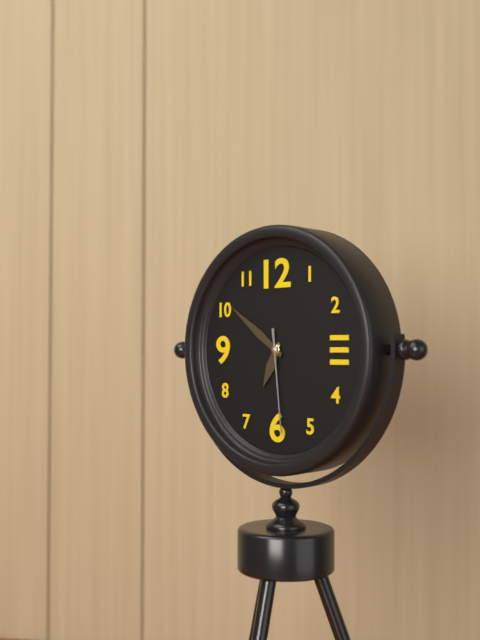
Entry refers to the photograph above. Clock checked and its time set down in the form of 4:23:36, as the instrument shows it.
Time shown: 6:51:29
